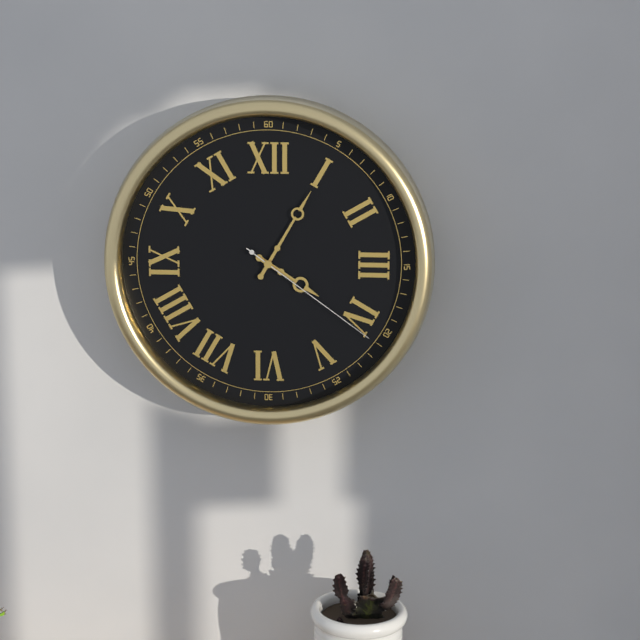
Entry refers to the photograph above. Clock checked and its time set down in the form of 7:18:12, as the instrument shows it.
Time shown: 4:05:21
